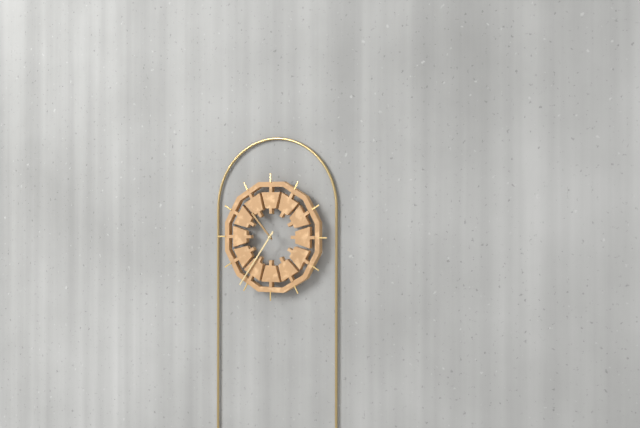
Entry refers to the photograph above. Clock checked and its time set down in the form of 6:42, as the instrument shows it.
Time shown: 10:36
